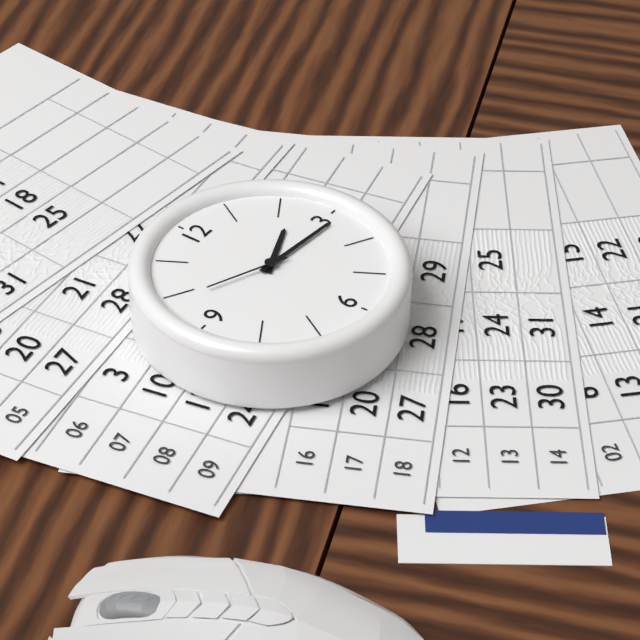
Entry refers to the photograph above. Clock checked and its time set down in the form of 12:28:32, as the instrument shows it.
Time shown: 2:16:49
